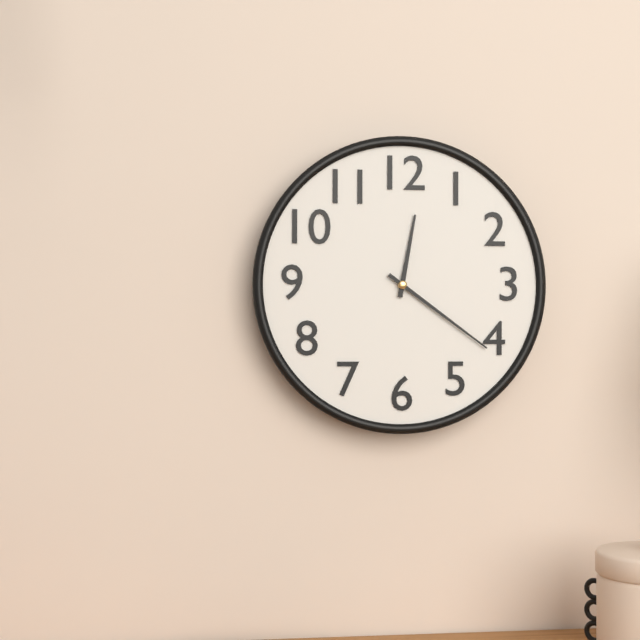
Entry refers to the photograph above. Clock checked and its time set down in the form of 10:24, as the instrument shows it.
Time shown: 12:21
